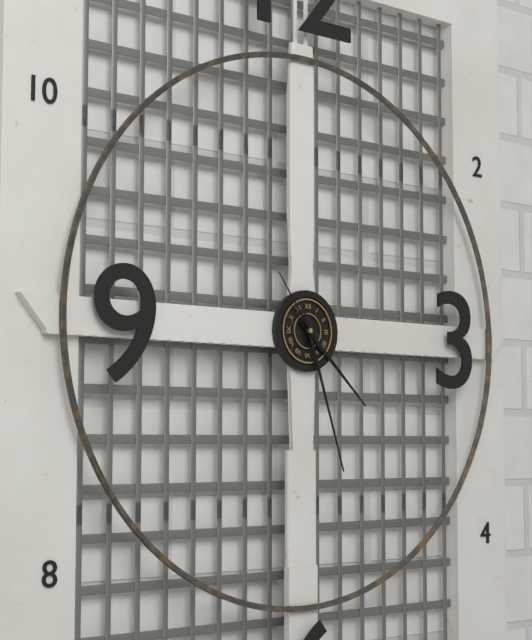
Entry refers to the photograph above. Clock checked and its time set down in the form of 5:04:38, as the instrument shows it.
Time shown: 4:27:54
